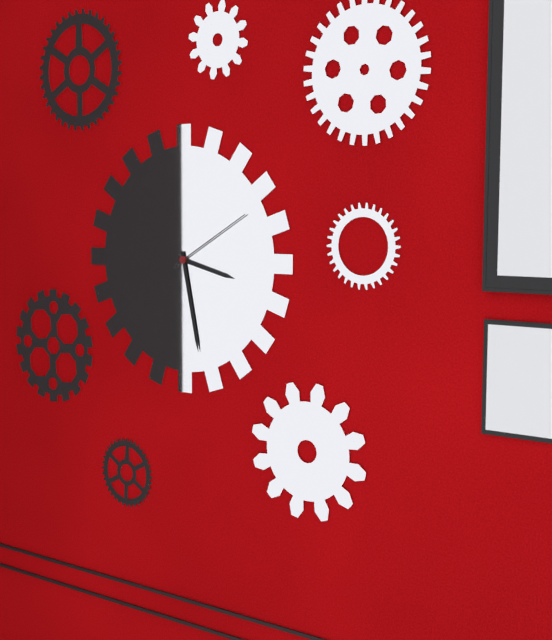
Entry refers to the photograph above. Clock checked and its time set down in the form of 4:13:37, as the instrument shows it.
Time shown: 3:28:10
